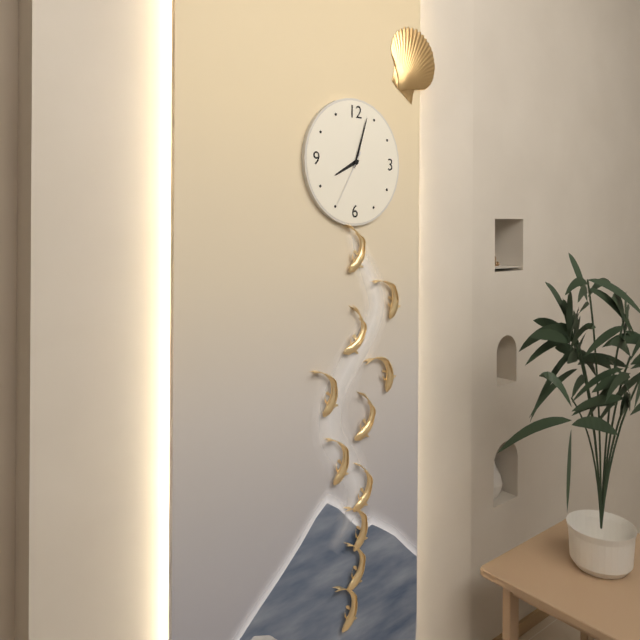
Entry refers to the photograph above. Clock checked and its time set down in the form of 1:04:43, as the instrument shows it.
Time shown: 8:03:35
